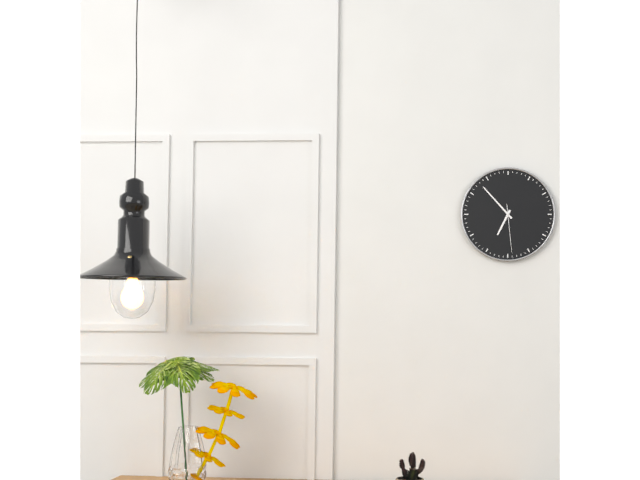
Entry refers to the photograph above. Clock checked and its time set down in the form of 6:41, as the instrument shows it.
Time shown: 6:53
